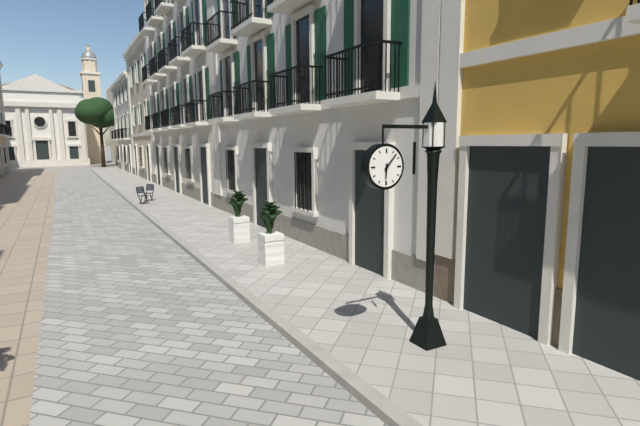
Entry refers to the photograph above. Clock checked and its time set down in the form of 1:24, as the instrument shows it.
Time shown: 6:07
